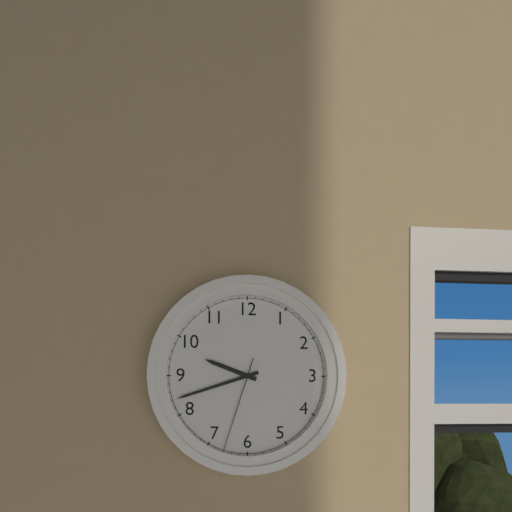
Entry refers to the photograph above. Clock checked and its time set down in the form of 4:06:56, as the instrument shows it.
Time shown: 9:42:33
